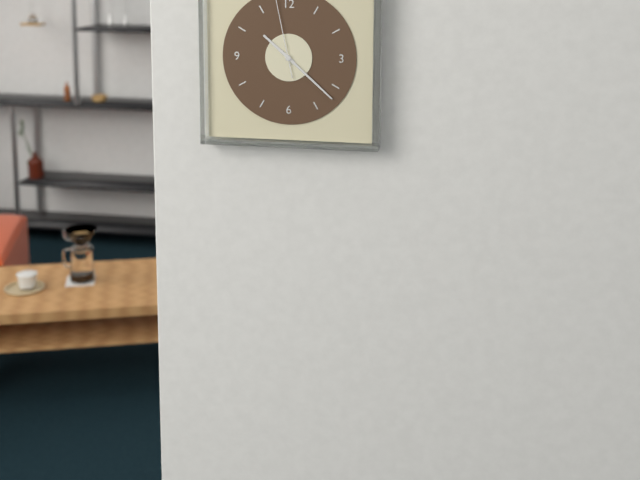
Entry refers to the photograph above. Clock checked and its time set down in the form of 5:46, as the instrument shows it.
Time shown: 10:22
